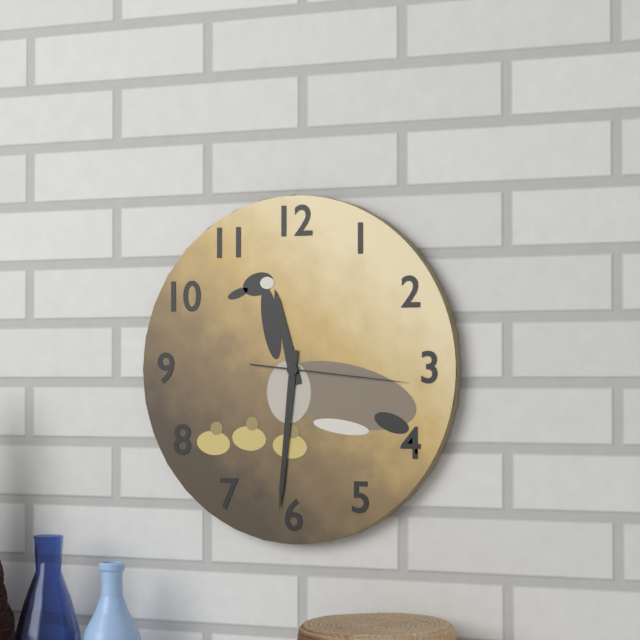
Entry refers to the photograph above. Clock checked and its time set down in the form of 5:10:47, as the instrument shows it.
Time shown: 11:31:16
